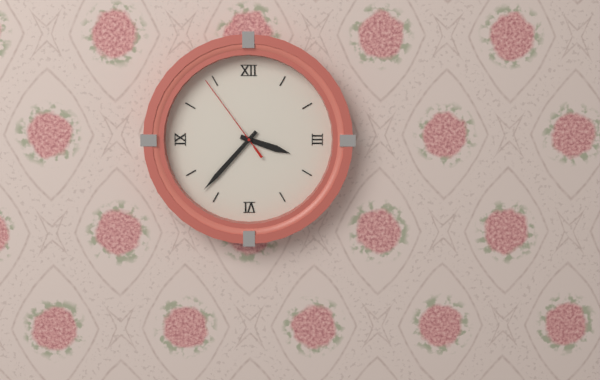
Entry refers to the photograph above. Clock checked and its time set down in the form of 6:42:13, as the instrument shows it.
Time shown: 3:37:54
